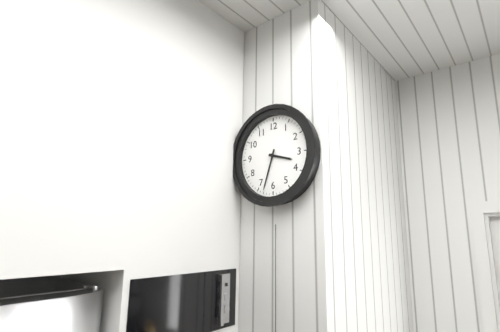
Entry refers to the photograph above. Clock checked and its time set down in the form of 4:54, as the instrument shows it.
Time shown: 3:33
